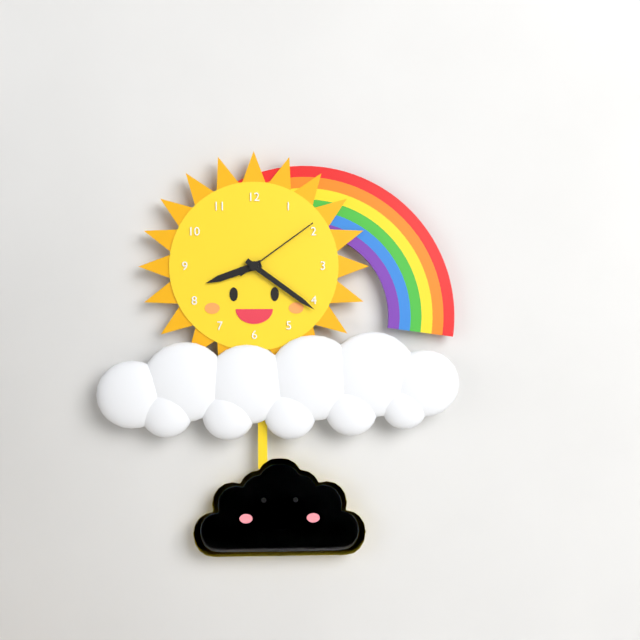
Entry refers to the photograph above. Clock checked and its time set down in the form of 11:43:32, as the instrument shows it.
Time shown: 8:21:09
